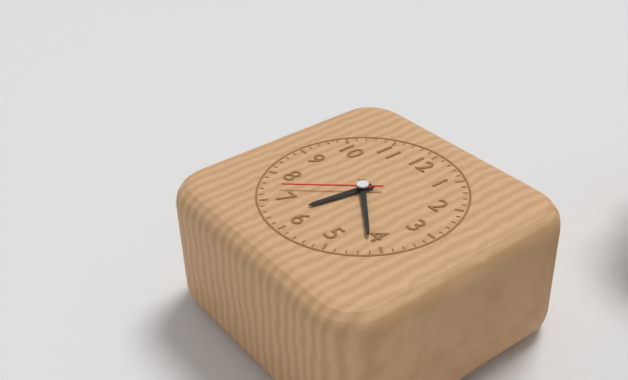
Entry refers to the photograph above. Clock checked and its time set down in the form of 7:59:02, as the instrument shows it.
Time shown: 6:21:37
